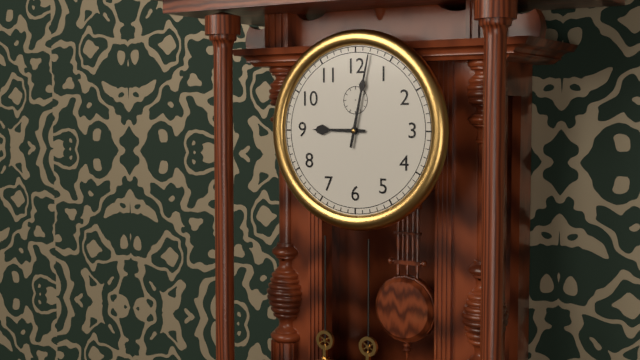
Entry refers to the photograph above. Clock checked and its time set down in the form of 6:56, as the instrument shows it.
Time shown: 9:02
